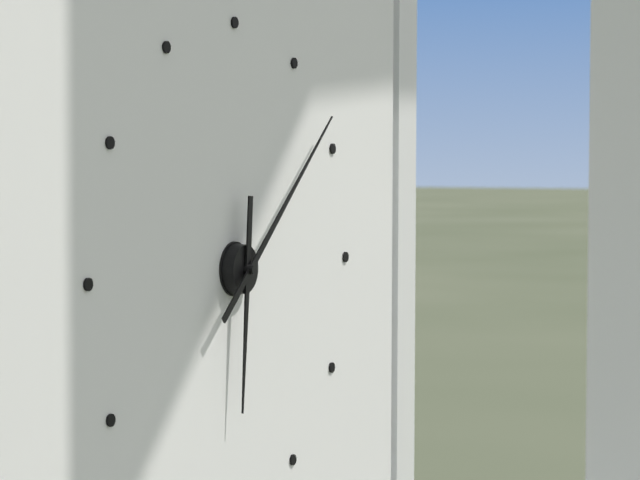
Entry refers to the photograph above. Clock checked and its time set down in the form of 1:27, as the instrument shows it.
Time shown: 6:08
